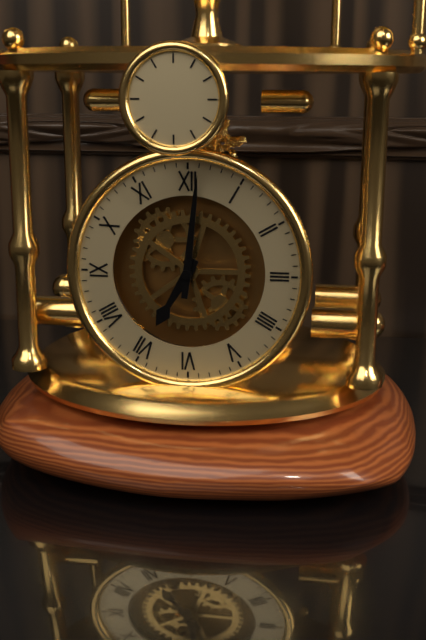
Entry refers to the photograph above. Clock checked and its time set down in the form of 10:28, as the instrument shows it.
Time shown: 7:01
